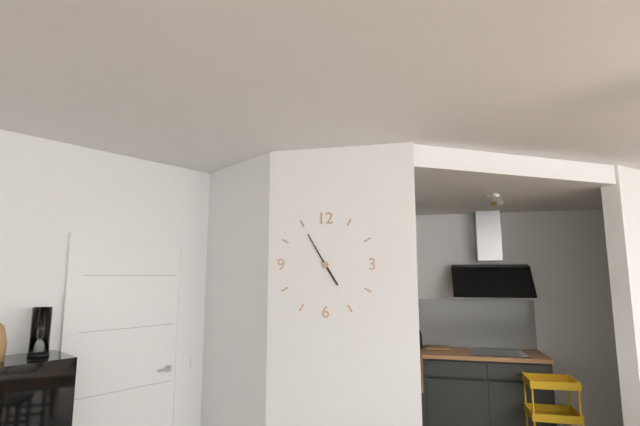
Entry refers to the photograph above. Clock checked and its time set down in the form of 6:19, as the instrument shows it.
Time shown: 4:55
